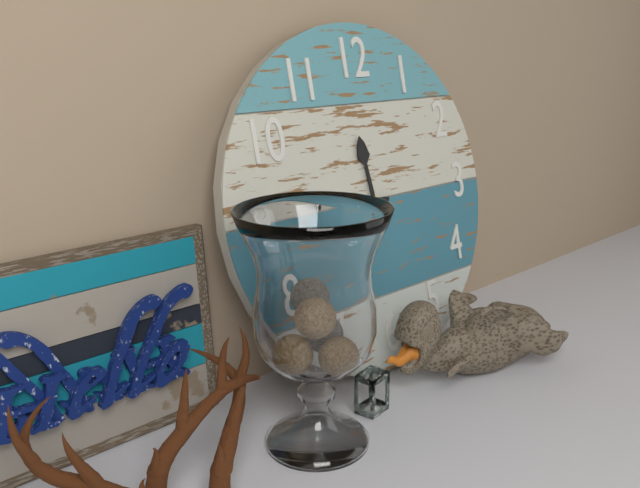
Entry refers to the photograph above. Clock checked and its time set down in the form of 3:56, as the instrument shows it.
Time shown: 11:46
